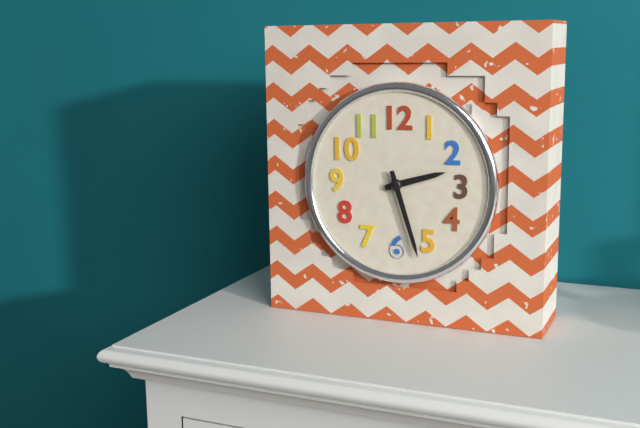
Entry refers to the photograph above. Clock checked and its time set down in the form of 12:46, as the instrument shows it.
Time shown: 2:27
